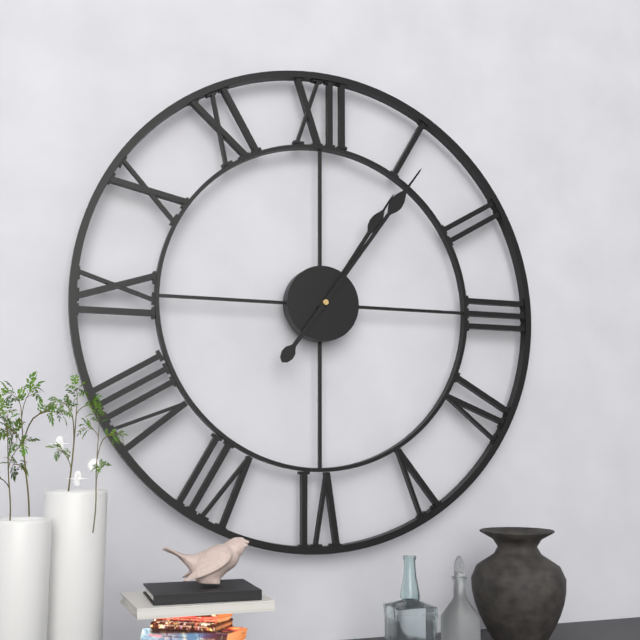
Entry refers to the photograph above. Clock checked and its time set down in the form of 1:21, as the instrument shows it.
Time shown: 1:06
